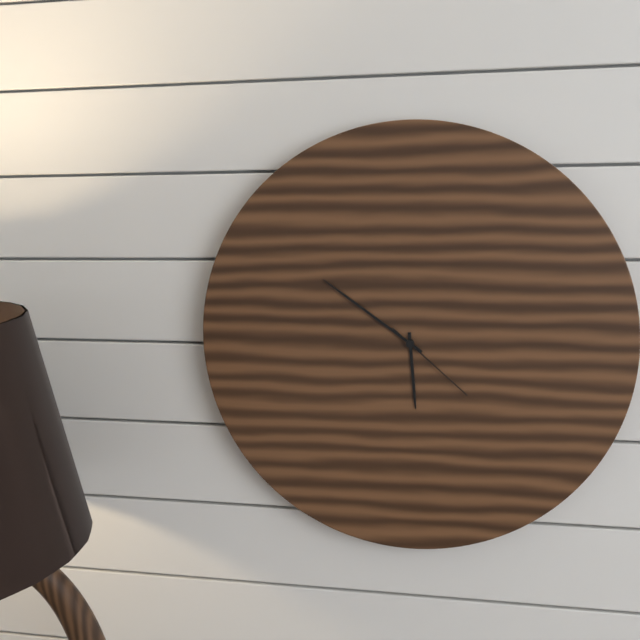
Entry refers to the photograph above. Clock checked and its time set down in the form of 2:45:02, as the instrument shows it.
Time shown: 5:51:22
